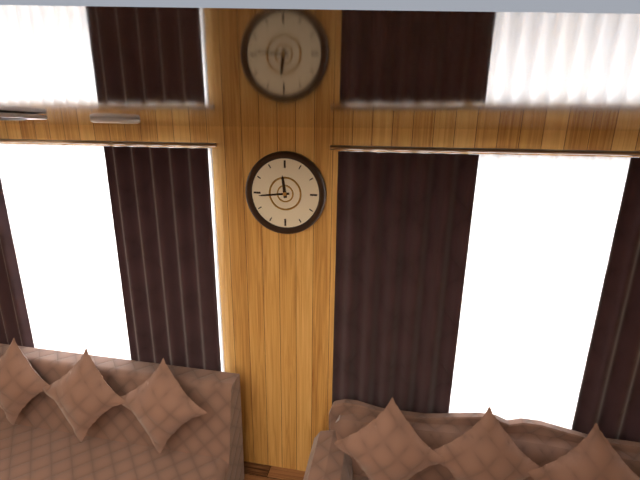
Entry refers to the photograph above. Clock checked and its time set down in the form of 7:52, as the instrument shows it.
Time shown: 11:44
